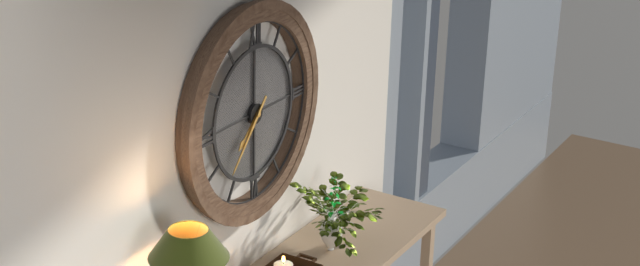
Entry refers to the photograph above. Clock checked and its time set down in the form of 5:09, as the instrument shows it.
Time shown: 7:37
